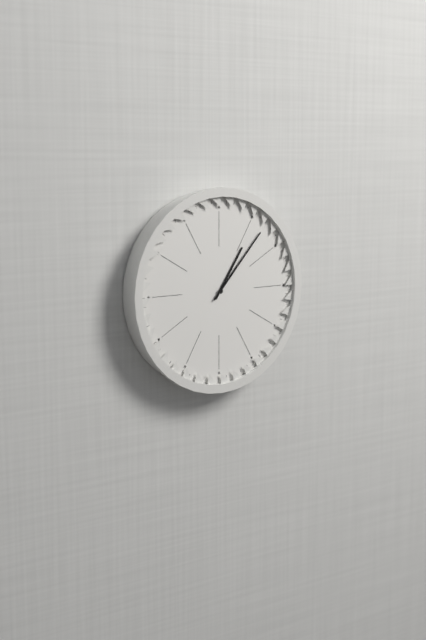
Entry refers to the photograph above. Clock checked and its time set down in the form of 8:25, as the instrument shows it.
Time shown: 1:07
